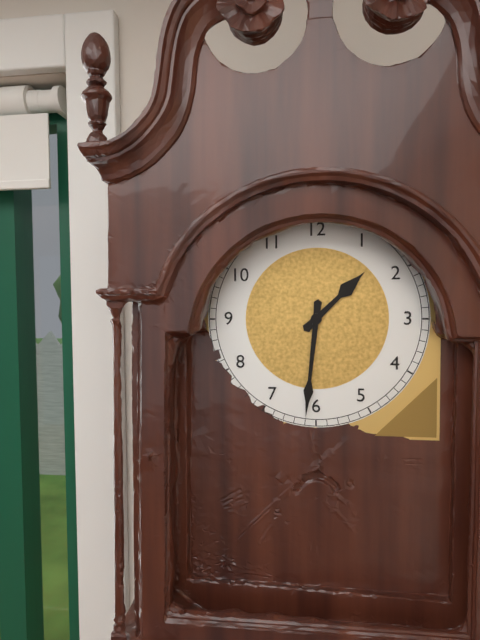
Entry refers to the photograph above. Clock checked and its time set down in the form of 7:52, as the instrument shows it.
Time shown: 1:31
